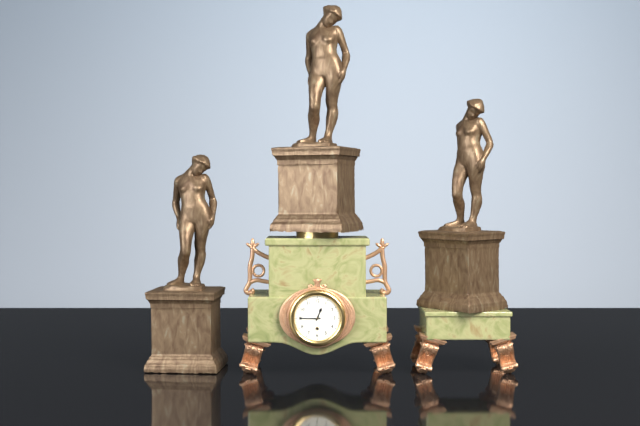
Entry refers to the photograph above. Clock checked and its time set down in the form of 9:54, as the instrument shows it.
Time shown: 12:45
